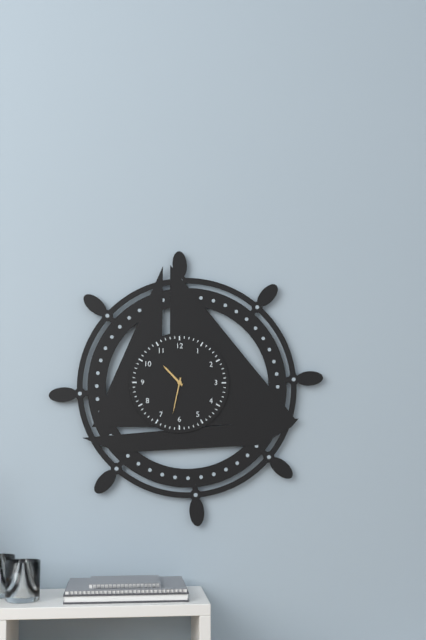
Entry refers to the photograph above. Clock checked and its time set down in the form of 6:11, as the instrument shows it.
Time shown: 10:32
